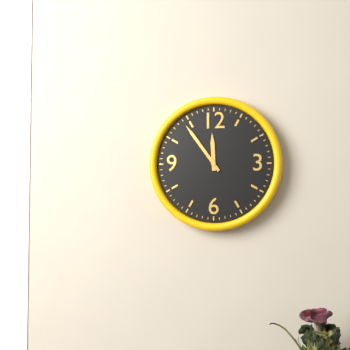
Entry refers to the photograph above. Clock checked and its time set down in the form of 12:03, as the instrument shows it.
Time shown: 11:54
